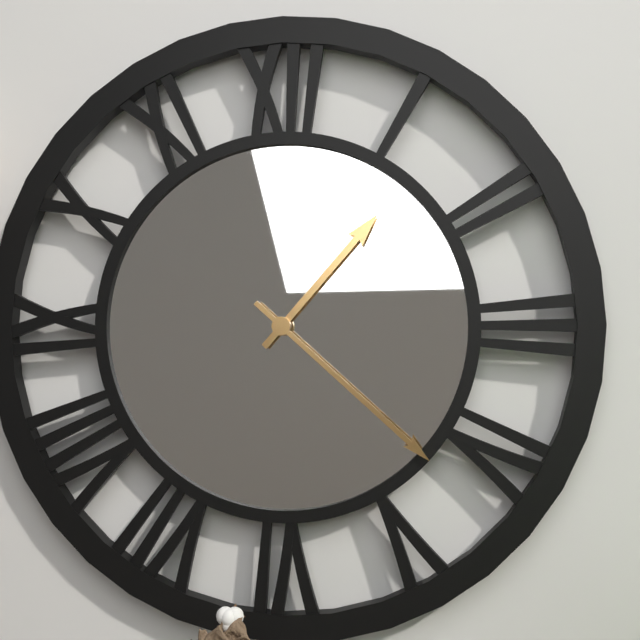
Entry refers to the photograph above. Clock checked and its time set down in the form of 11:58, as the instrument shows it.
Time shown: 1:22
